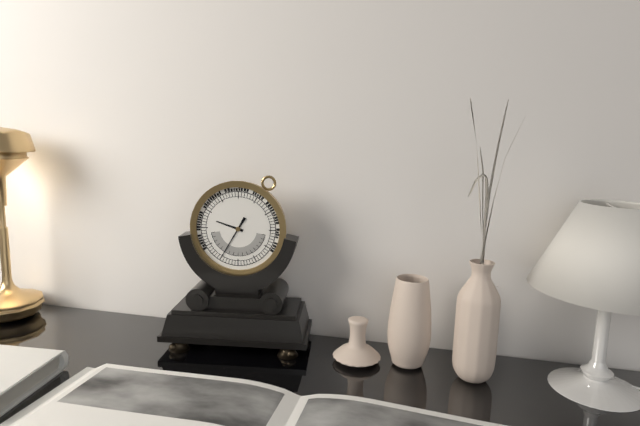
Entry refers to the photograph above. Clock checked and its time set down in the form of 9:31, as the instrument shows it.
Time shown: 9:35
